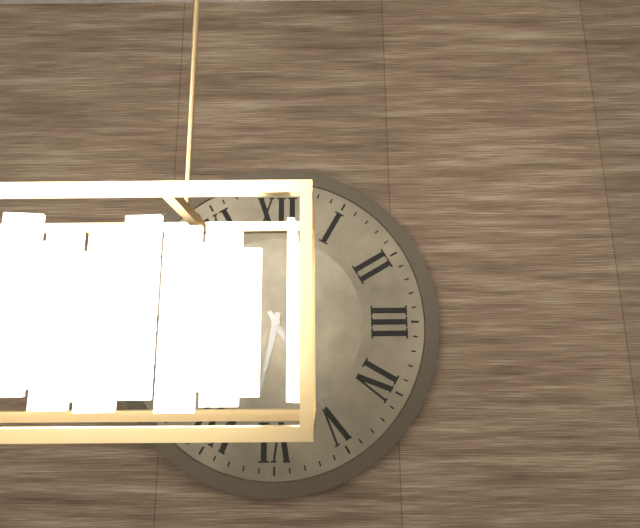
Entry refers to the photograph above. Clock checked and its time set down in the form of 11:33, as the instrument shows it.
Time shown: 6:25
